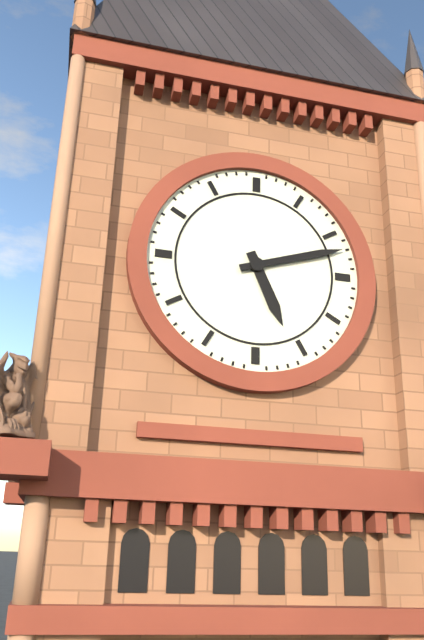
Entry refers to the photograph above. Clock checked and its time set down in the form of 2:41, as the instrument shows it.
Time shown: 5:12
